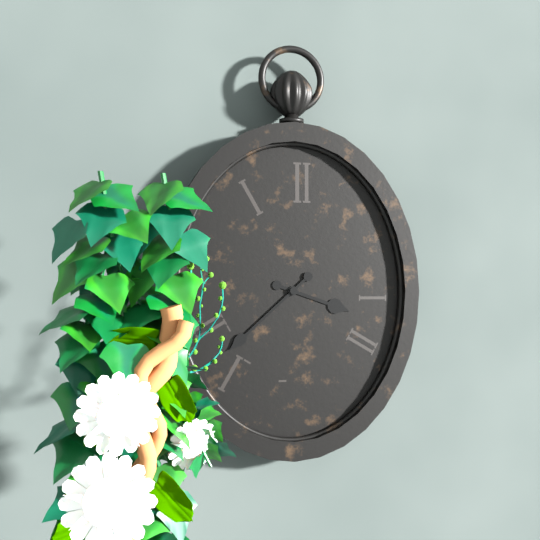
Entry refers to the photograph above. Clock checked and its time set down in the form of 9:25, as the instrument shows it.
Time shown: 3:38
